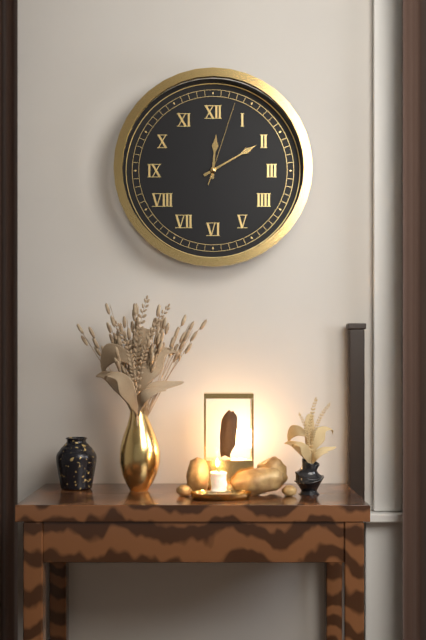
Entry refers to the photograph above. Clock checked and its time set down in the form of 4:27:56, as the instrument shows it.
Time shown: 12:10:03
